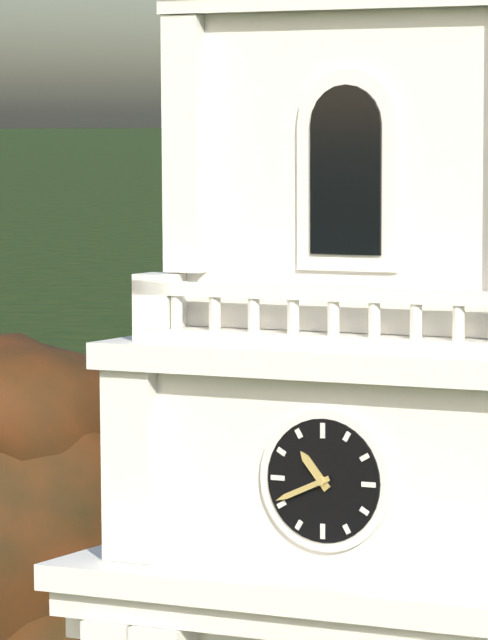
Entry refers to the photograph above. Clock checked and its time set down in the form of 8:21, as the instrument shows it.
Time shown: 10:41
